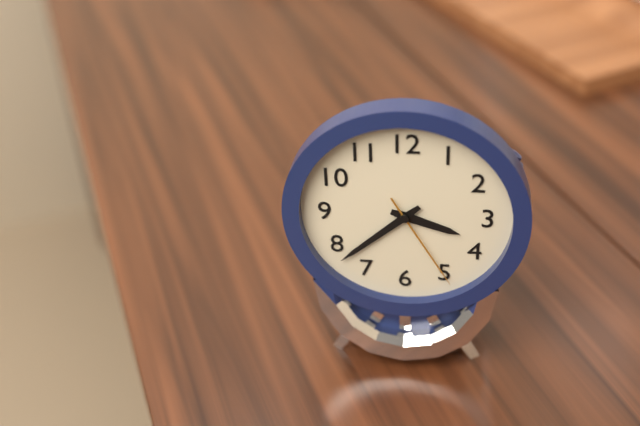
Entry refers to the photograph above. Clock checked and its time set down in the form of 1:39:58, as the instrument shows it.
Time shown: 3:38:25
